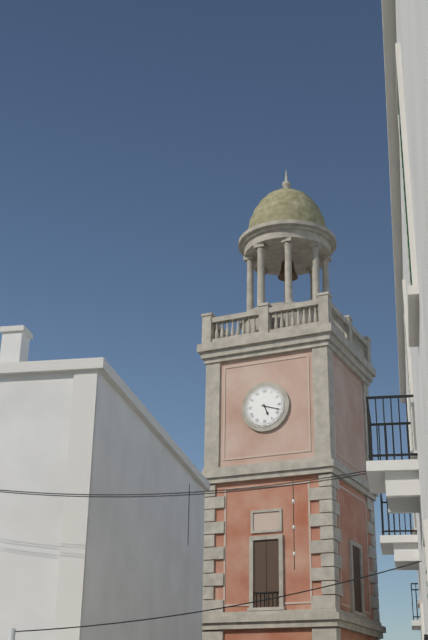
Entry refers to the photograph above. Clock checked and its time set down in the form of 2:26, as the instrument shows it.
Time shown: 5:18
